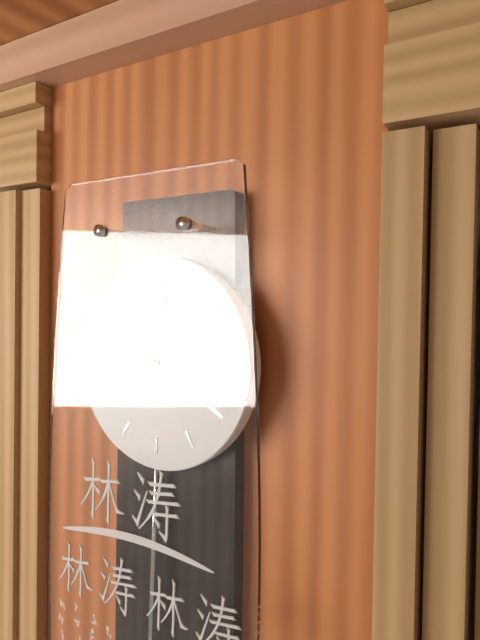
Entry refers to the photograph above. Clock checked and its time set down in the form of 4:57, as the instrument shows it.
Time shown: 9:01
